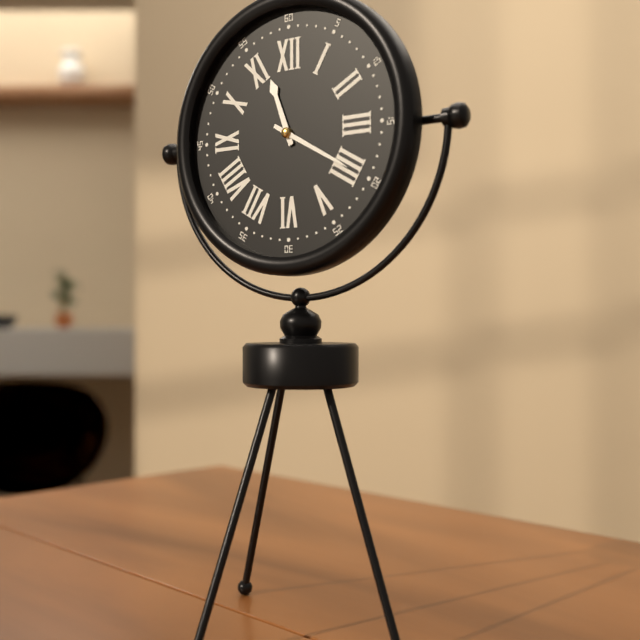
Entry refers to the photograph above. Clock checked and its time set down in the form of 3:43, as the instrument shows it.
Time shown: 11:20
